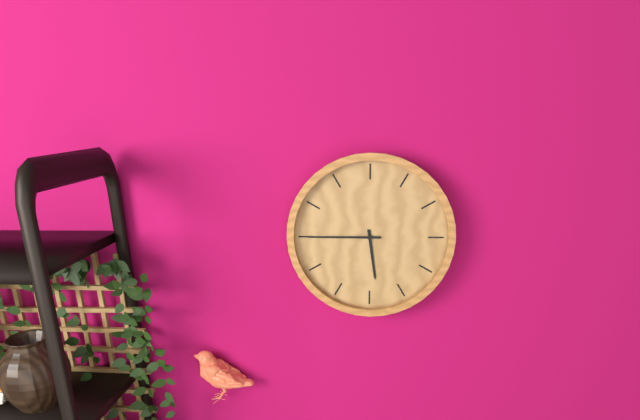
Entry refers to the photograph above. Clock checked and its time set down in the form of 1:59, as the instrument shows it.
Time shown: 5:45
